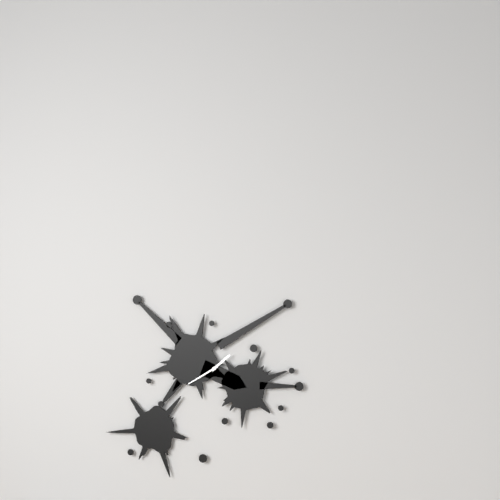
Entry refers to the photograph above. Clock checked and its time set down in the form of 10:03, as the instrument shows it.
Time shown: 1:40
